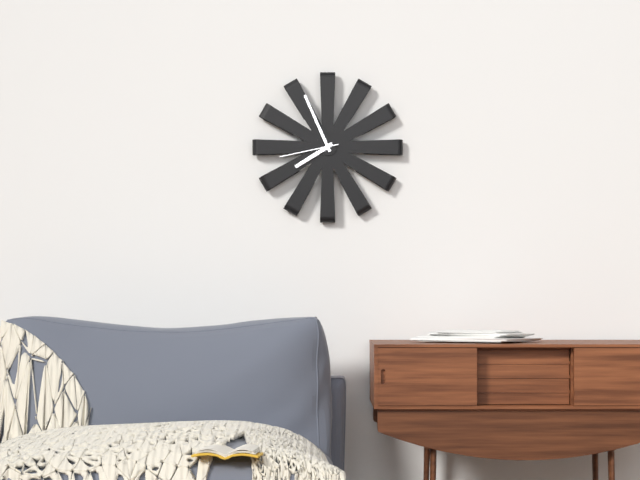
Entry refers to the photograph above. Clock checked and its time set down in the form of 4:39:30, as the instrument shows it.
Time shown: 7:56:43
